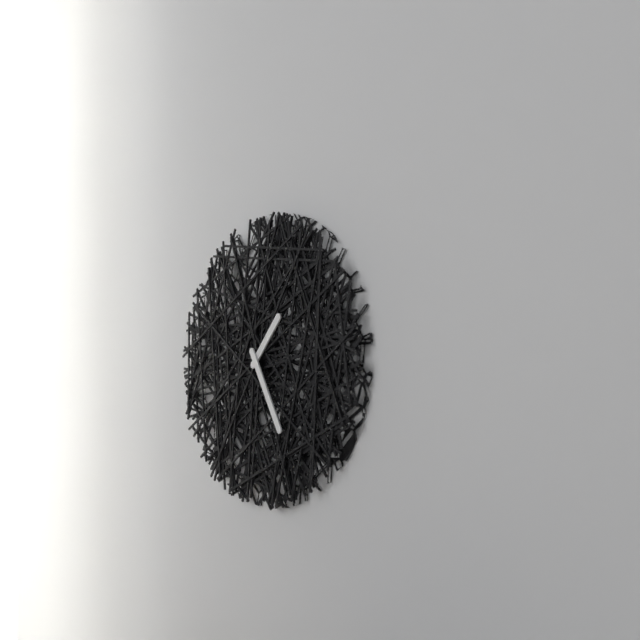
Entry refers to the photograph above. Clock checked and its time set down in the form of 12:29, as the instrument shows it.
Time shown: 1:25
